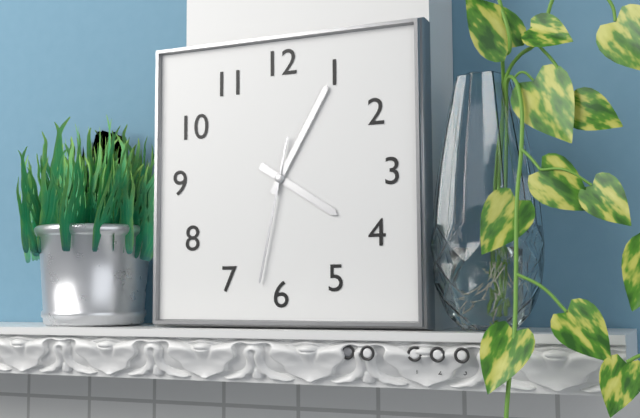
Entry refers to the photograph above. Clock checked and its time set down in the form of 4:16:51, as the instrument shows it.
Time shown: 4:05:32
